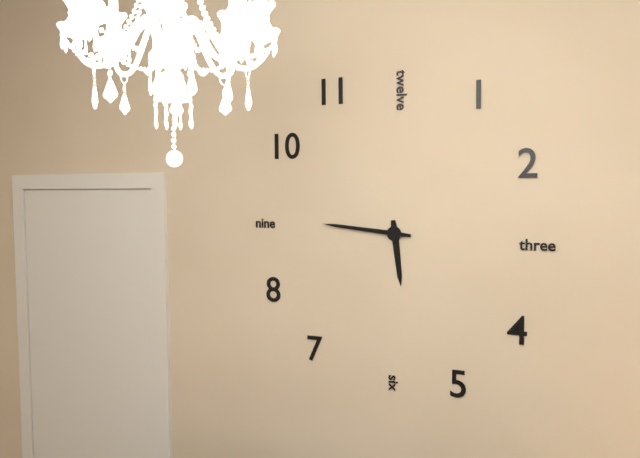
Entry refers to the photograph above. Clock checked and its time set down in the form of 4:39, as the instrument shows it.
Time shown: 5:46
